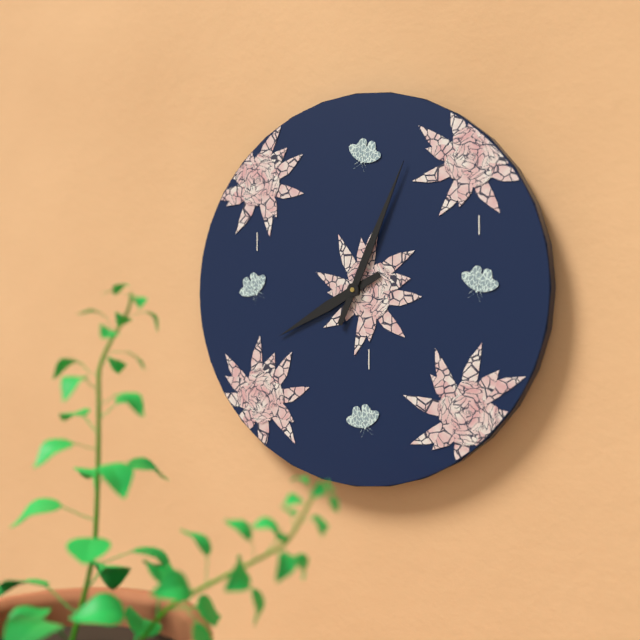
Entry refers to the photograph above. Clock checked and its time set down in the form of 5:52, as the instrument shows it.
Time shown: 8:04
